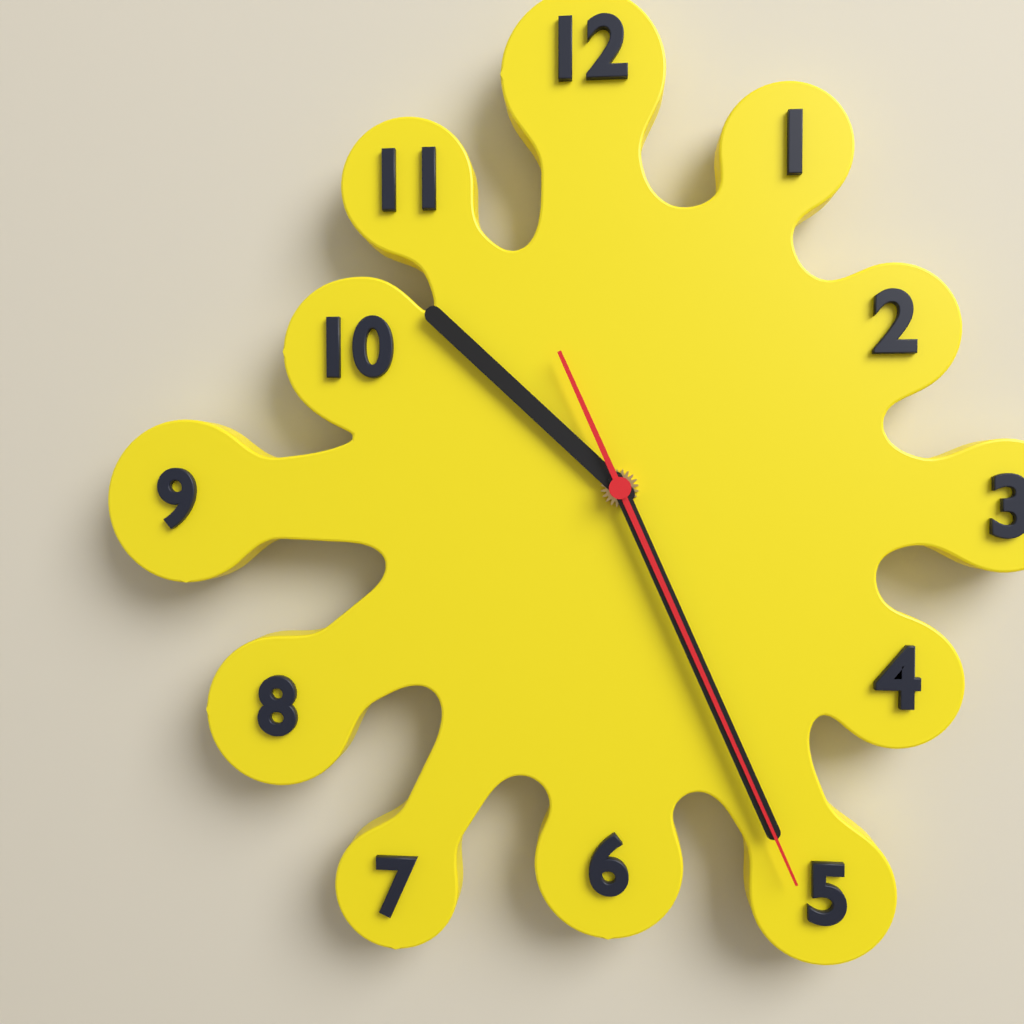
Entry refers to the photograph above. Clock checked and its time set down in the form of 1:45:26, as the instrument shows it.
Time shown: 10:26:26
